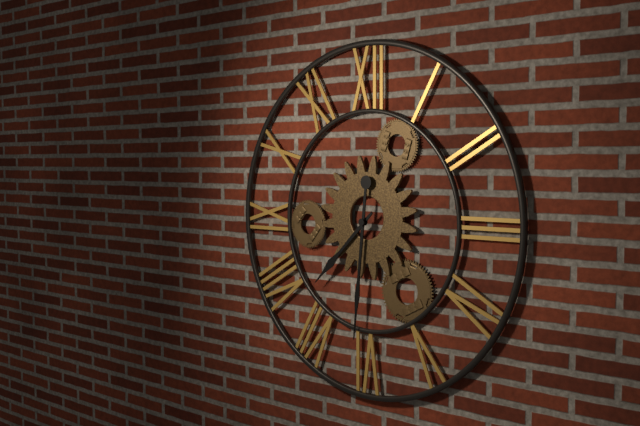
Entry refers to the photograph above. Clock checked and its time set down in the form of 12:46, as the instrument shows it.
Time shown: 7:31
